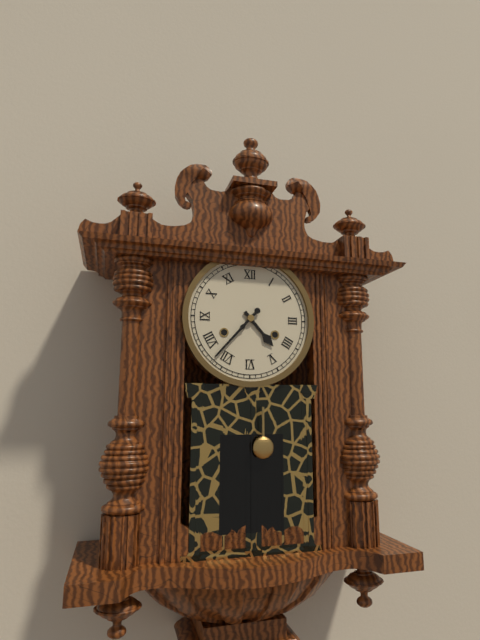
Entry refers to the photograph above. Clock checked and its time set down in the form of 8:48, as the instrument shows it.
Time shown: 4:37
